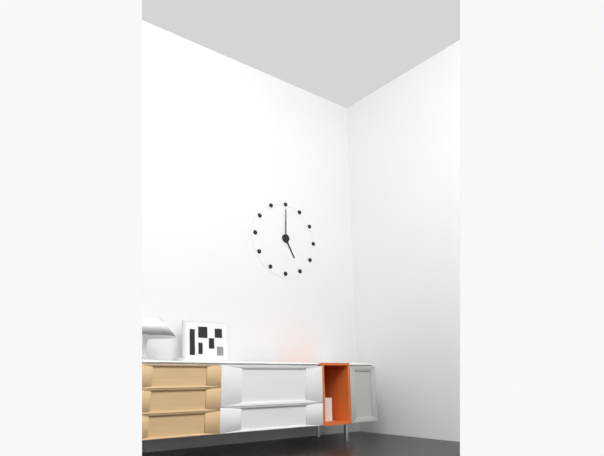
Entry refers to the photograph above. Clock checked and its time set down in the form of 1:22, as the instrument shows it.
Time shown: 5:00
